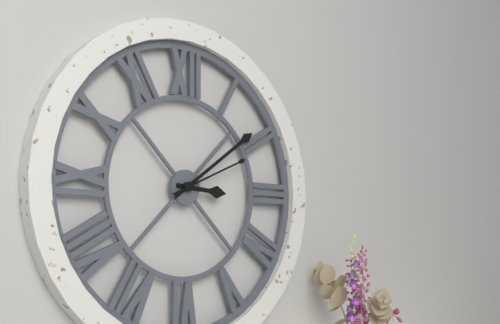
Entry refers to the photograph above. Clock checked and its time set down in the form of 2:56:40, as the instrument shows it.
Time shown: 3:09:11
